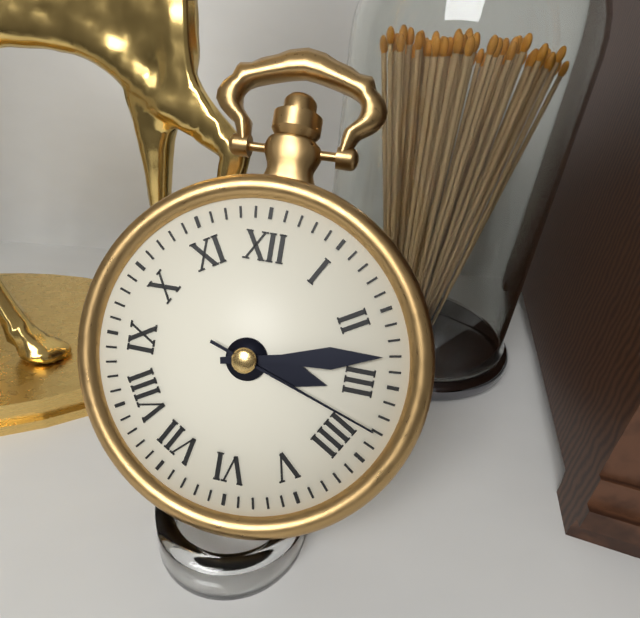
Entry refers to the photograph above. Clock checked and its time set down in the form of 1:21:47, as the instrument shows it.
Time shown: 3:13:18
